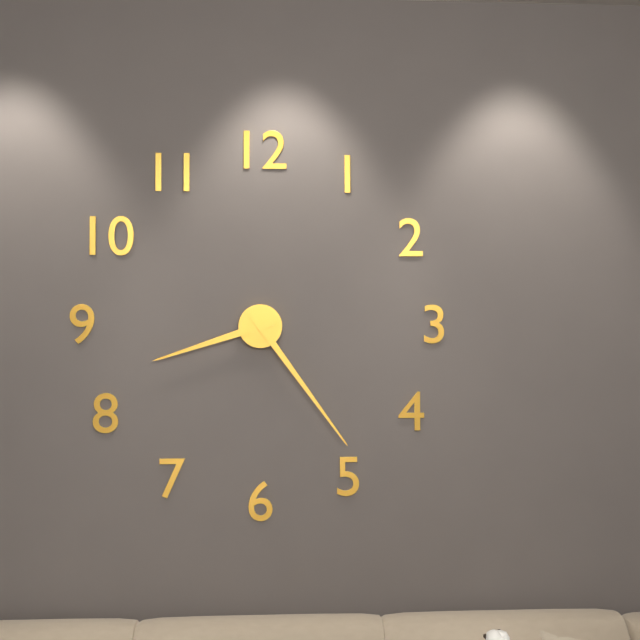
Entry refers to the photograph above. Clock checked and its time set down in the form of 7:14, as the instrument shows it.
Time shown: 8:24
